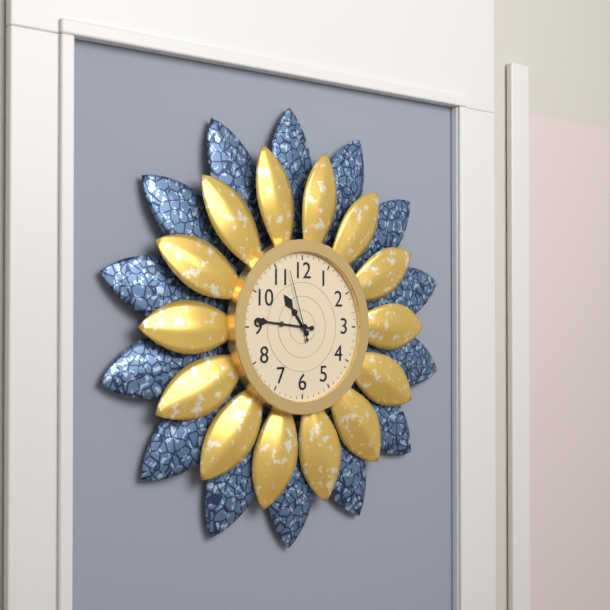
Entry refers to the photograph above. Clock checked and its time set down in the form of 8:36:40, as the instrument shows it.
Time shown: 10:46:57
